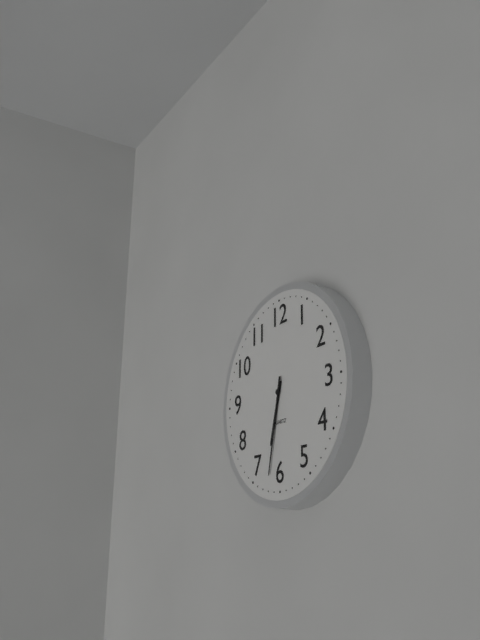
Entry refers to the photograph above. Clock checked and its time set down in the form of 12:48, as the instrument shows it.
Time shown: 6:32
